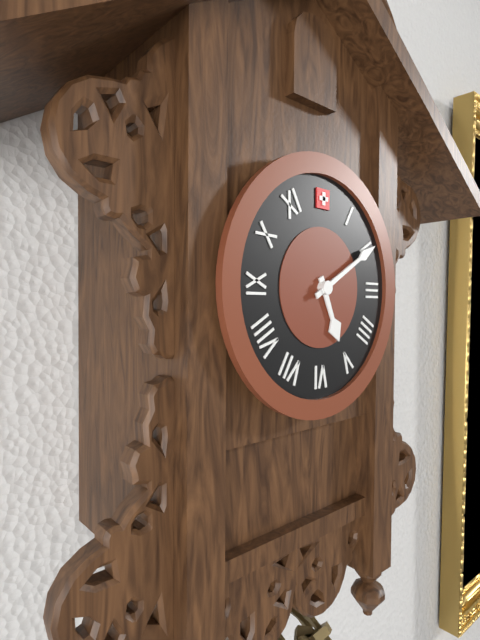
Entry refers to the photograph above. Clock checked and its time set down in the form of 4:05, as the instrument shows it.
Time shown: 5:10
